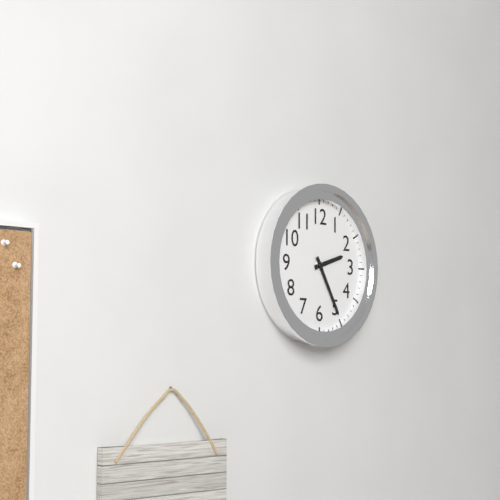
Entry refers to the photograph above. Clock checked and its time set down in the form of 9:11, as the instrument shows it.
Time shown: 2:25
